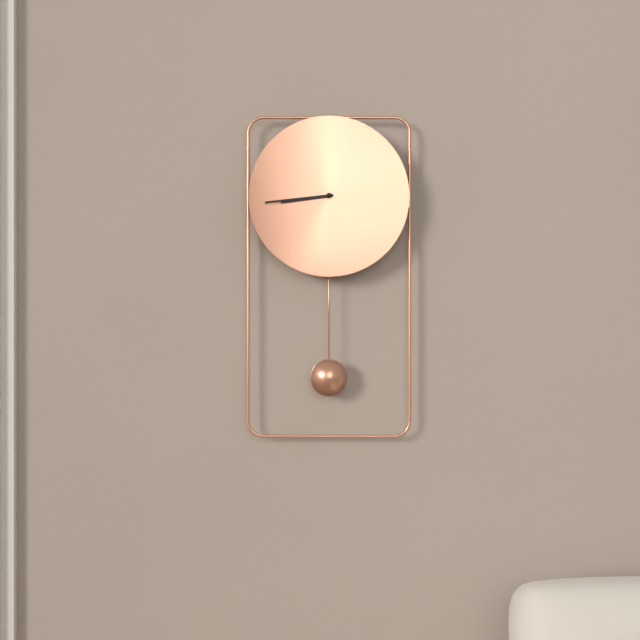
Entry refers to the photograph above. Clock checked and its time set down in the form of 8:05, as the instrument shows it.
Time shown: 8:44
